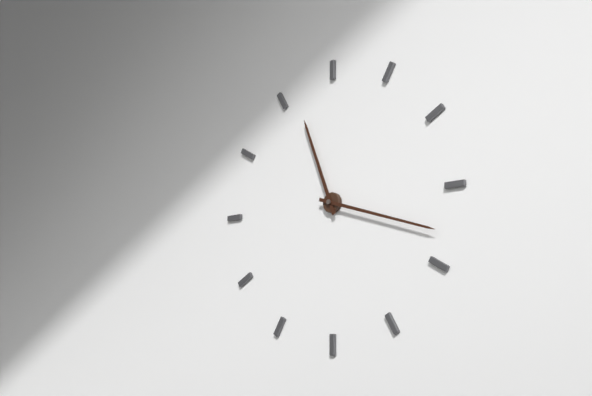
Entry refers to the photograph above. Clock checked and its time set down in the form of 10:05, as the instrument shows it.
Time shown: 11:18
